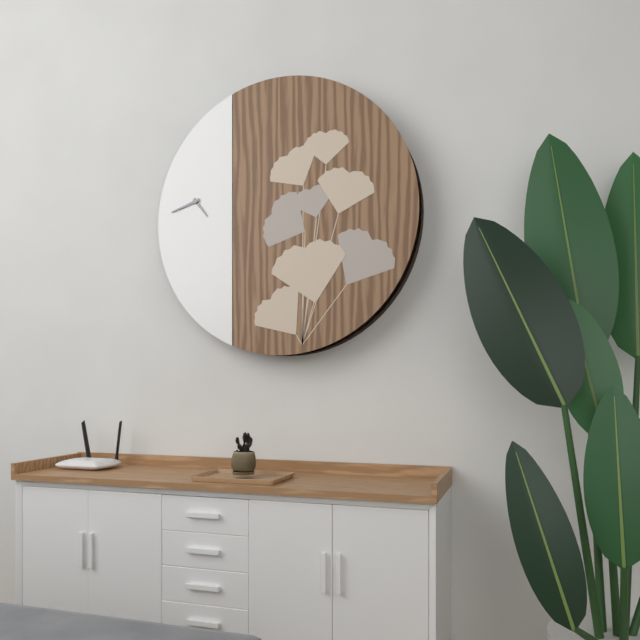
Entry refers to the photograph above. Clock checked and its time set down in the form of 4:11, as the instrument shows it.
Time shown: 4:42
